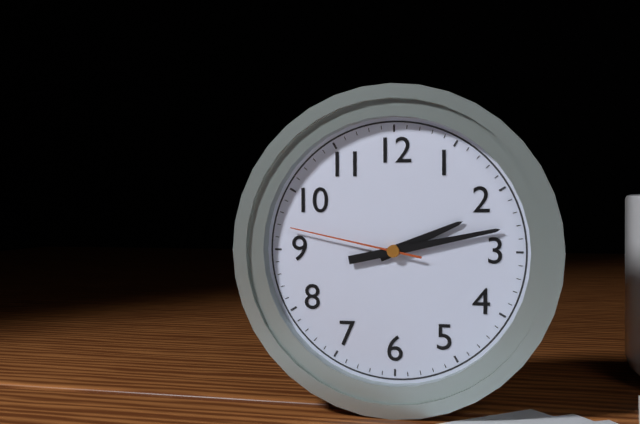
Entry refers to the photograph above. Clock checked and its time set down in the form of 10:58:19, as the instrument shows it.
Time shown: 2:13:47
